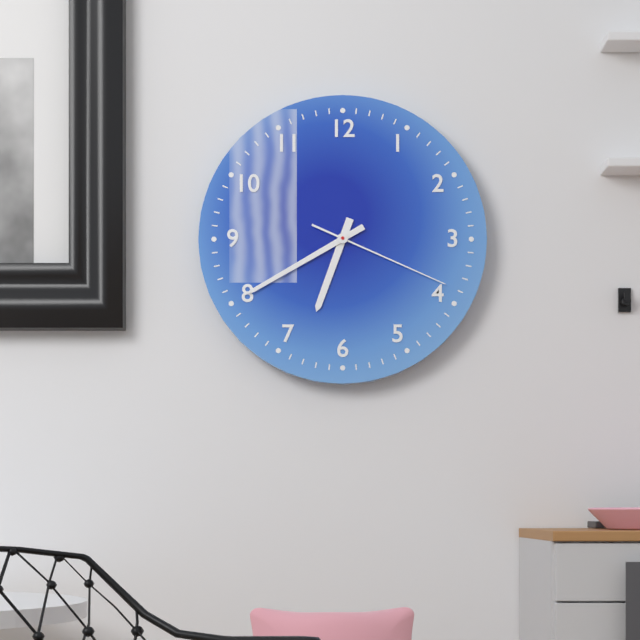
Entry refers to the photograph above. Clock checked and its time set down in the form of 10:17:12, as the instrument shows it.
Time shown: 6:40:19
